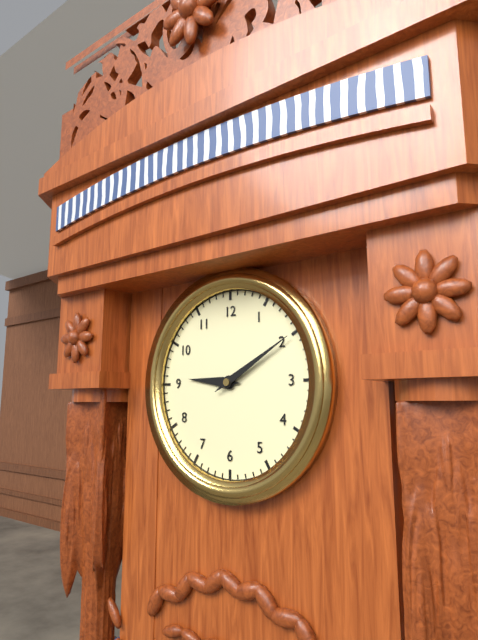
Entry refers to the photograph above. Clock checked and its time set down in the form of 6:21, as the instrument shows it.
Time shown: 9:10
